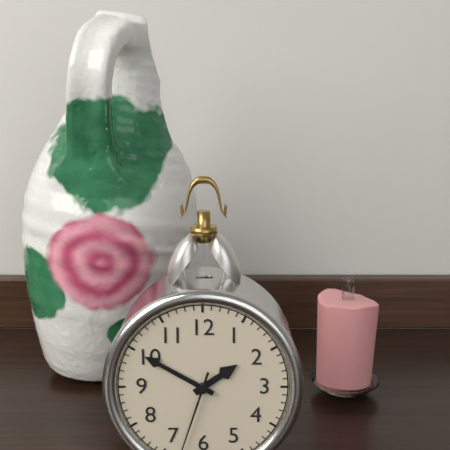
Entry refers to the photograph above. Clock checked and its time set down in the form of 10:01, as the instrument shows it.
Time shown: 1:50
